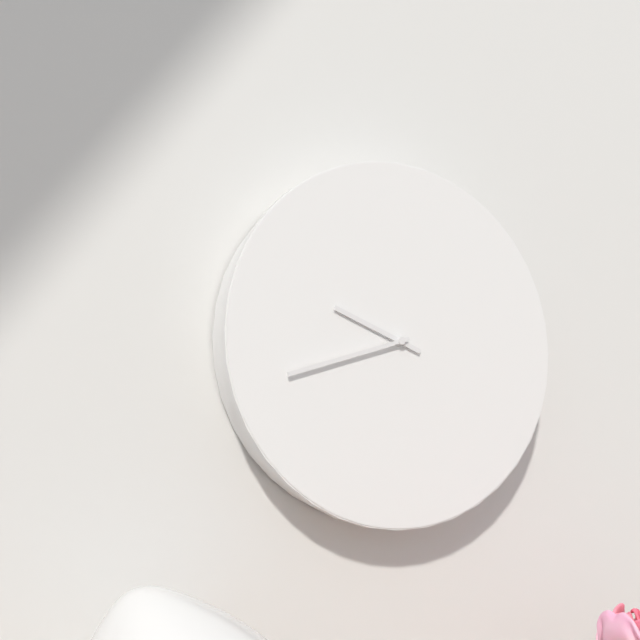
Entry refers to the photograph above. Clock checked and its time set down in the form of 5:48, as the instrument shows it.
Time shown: 9:42
